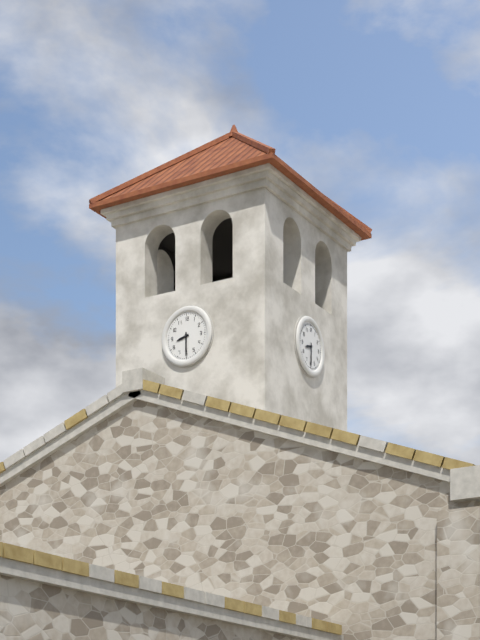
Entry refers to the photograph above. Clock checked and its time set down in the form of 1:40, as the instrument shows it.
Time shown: 8:30
